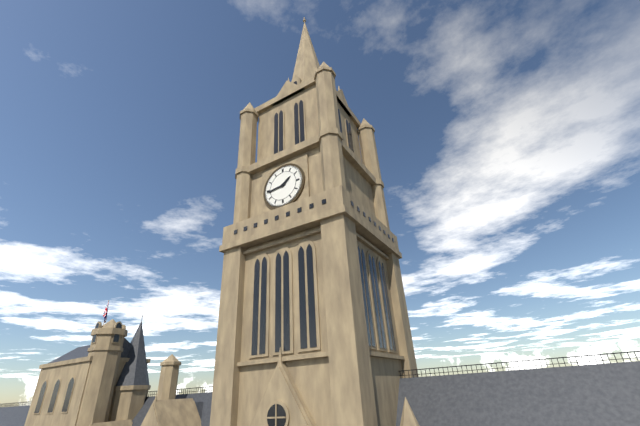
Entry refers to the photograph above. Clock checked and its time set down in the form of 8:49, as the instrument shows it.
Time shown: 1:44
